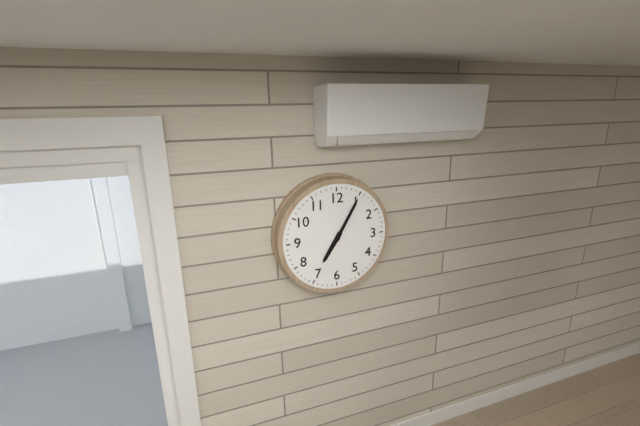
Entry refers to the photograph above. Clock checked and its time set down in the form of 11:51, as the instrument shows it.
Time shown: 7:05
